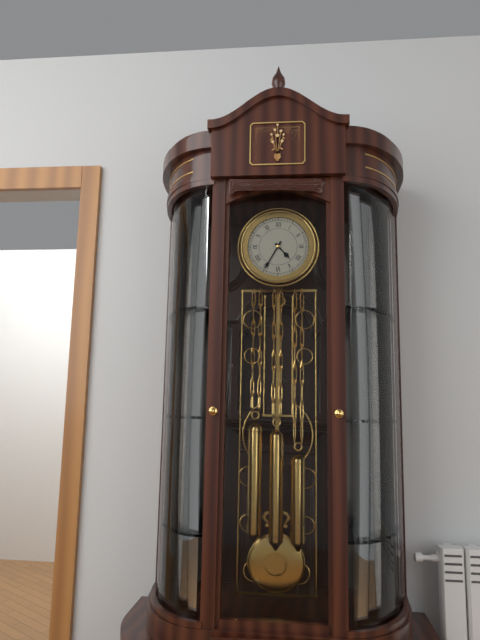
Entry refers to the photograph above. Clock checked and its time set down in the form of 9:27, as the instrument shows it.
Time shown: 4:35
